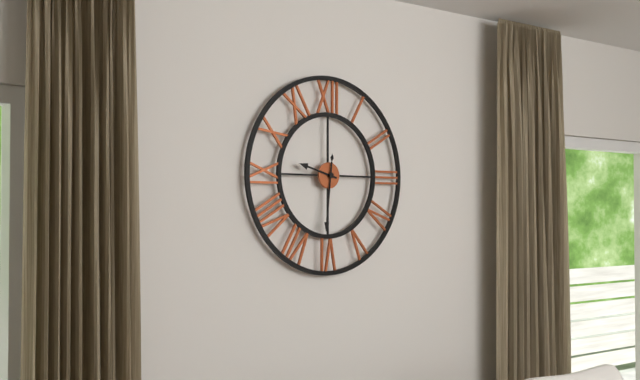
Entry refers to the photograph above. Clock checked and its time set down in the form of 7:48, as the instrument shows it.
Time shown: 9:31
